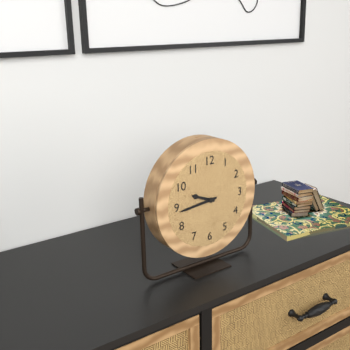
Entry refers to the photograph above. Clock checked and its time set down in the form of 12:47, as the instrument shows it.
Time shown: 9:44
